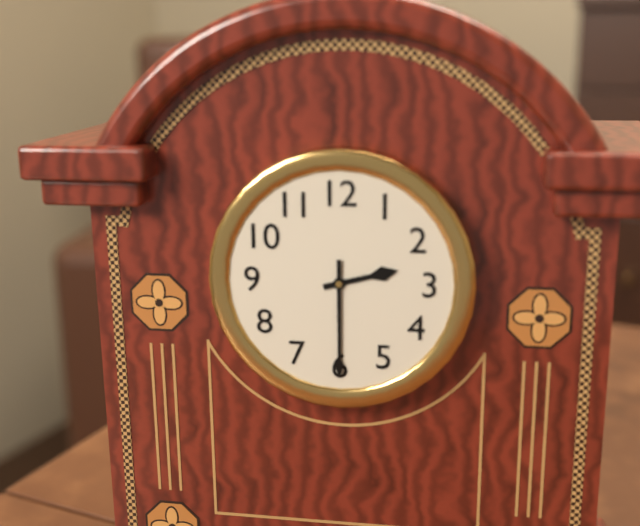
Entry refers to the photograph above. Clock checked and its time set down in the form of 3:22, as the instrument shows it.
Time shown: 2:30
